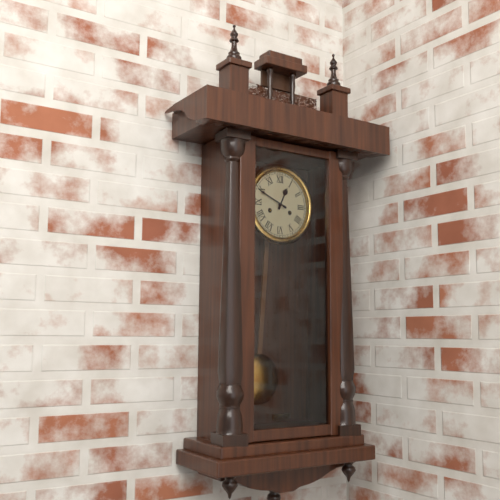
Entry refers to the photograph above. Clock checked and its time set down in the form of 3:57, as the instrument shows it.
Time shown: 12:49
